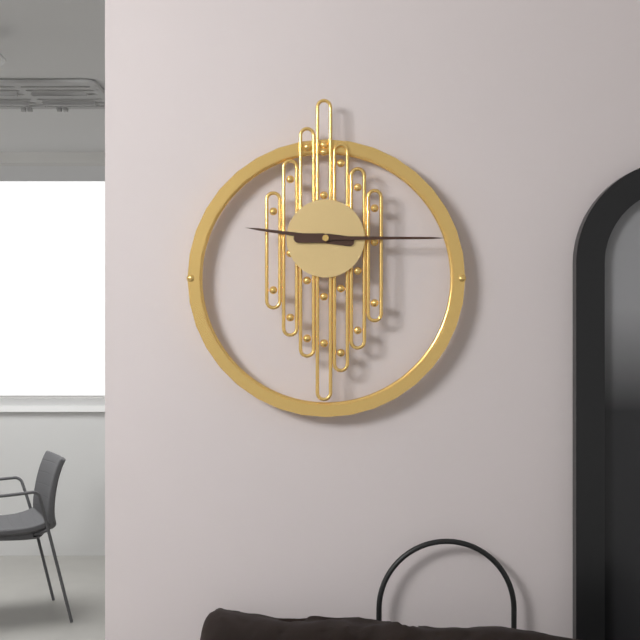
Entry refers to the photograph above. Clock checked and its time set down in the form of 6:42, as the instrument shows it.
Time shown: 9:15
